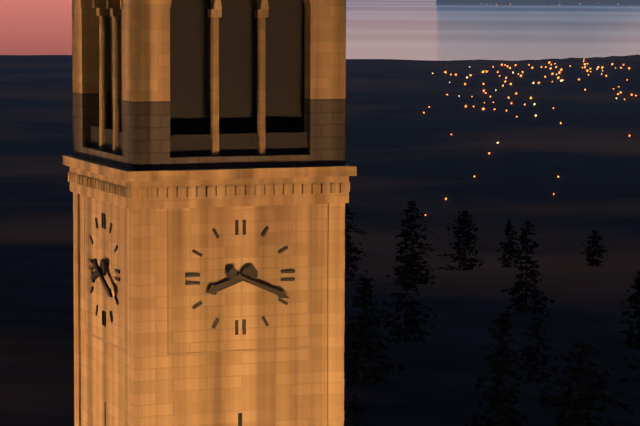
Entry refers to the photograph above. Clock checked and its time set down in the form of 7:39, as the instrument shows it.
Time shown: 8:19
